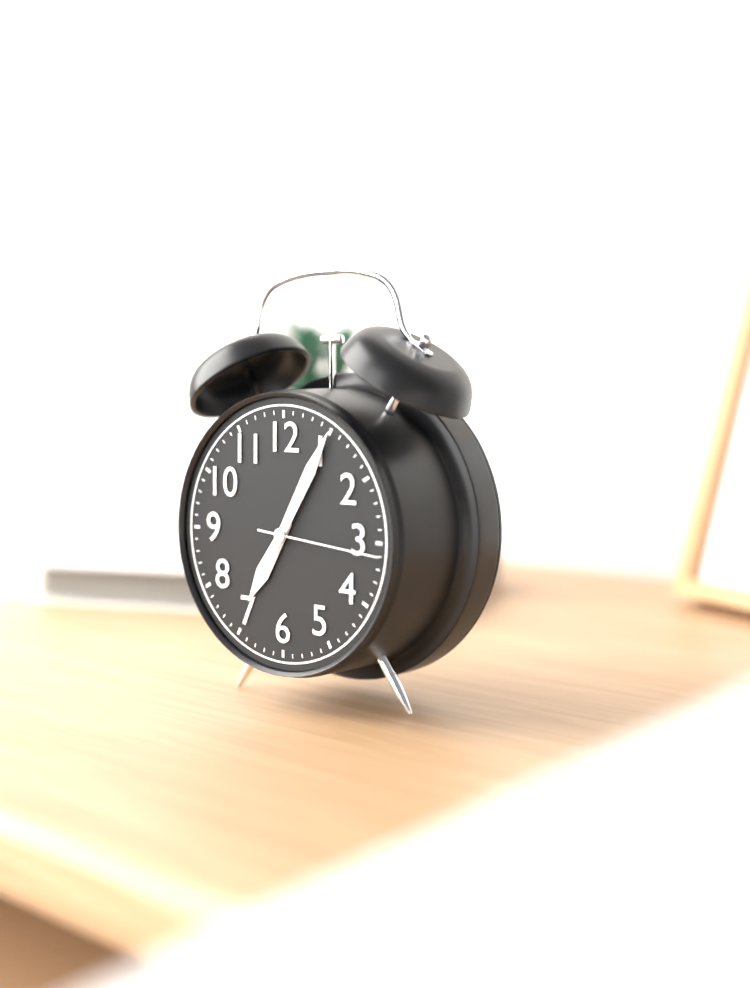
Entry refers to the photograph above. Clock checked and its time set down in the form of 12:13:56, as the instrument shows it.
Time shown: 7:05:16
